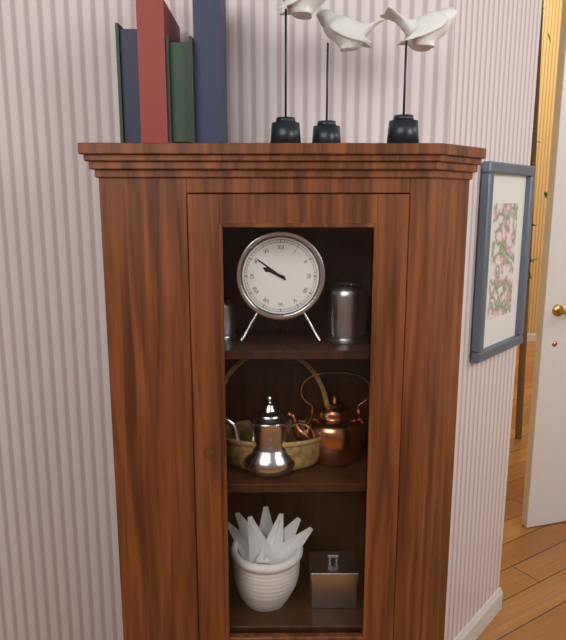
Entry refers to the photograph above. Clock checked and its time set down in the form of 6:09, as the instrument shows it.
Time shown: 9:51
